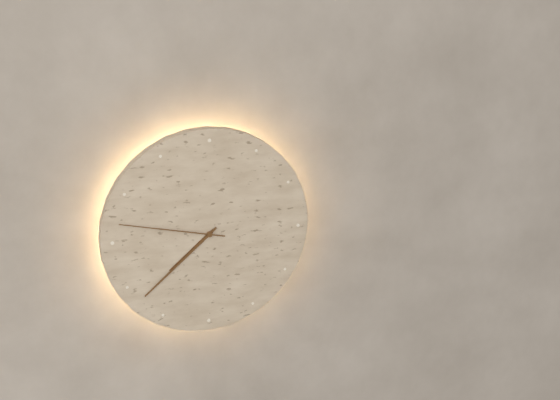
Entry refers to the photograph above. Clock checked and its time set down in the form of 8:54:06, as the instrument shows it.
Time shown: 7:38:47
